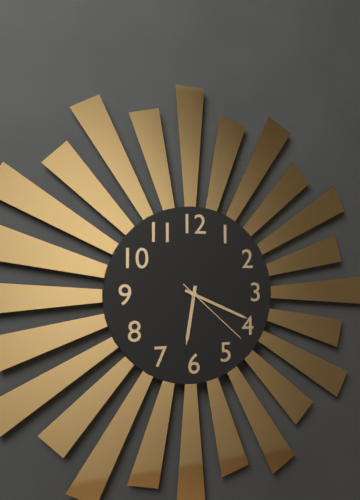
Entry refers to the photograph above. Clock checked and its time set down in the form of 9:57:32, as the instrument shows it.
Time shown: 6:19:22
